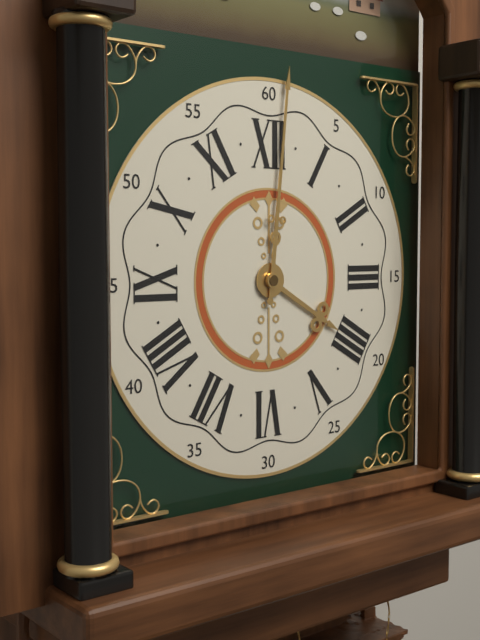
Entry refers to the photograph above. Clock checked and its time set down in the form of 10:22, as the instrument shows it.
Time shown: 4:01
